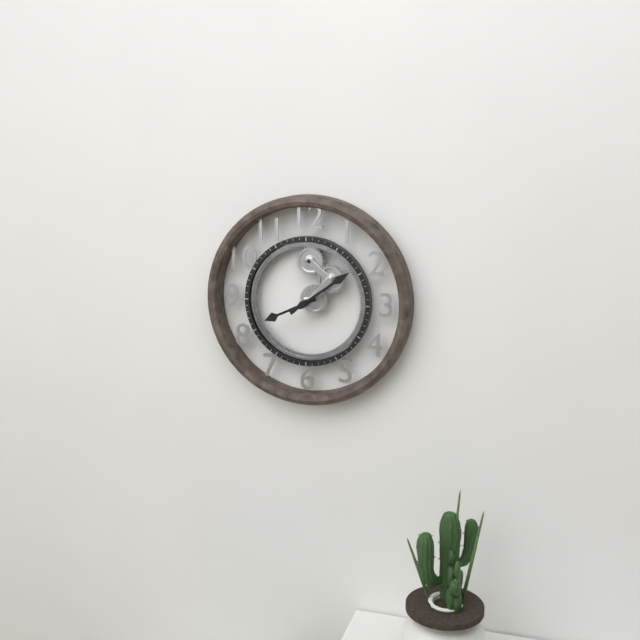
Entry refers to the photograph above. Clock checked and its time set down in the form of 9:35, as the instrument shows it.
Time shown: 8:09
